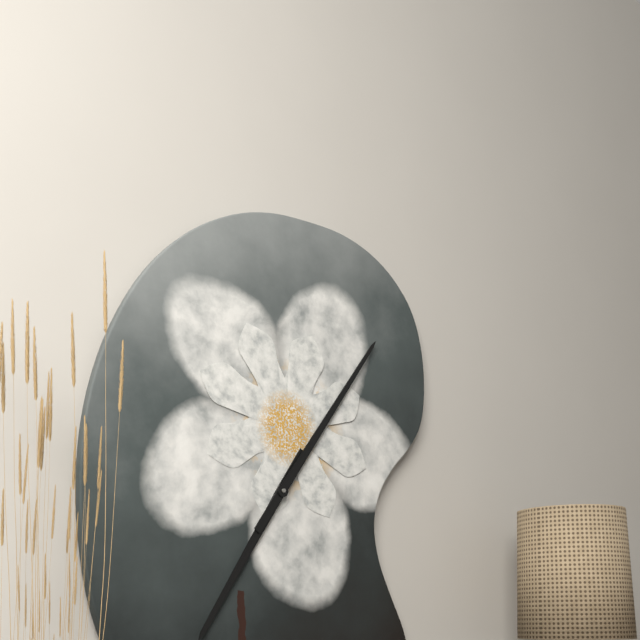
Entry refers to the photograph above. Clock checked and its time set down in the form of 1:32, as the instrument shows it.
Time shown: 7:06
